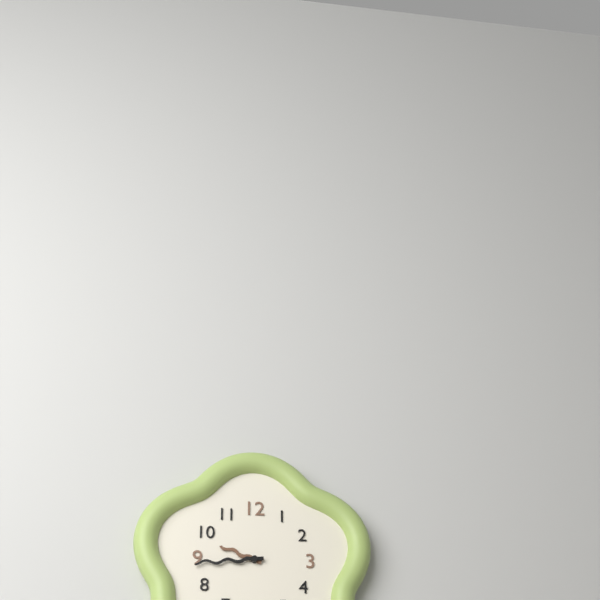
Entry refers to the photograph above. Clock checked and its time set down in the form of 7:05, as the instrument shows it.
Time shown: 9:44
